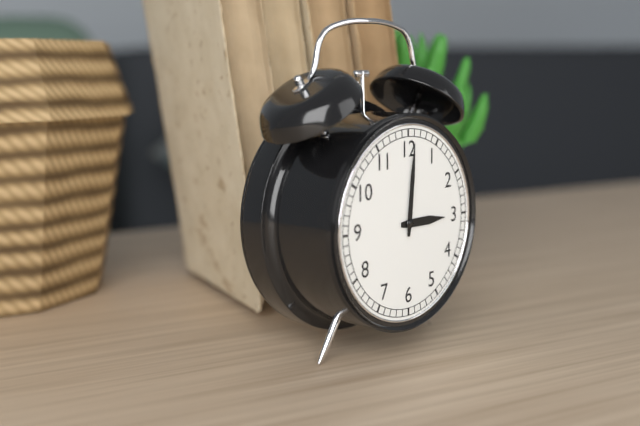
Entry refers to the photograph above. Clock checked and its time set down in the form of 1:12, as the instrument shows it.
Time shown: 3:01
